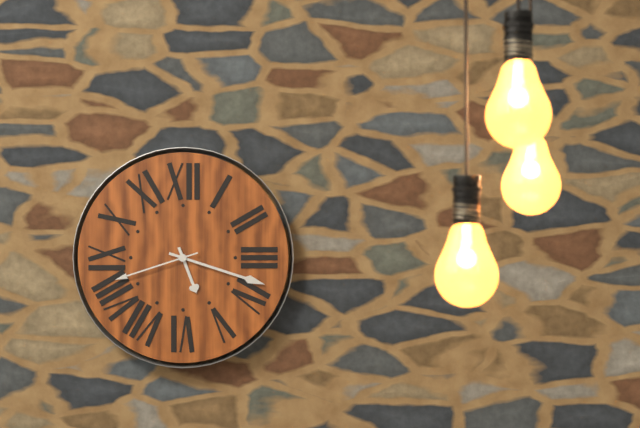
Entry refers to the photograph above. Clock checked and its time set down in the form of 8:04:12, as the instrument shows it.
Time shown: 5:18:42
